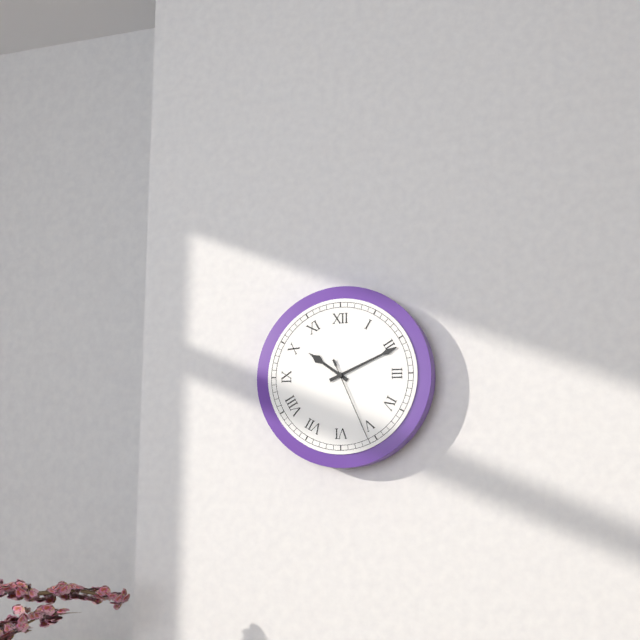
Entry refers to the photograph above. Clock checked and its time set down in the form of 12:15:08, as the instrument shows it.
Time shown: 10:11:26
